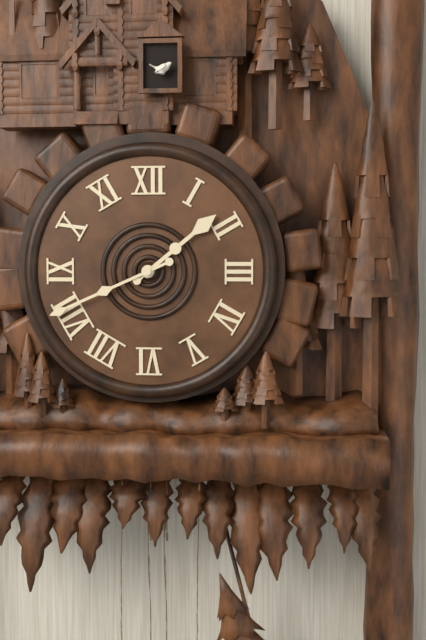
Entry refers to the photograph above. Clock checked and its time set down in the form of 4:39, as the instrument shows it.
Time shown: 1:41
